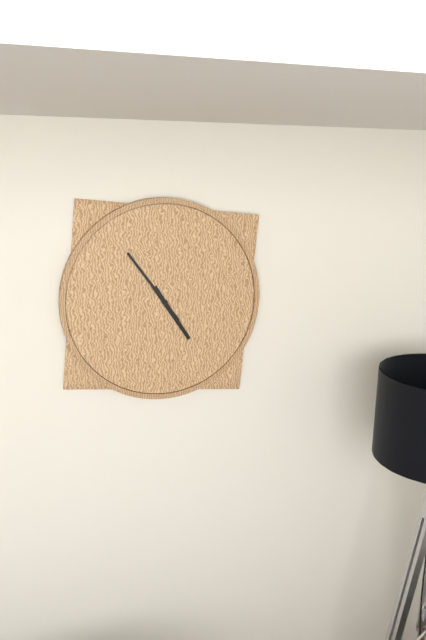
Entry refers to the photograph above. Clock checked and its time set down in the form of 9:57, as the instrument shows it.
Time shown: 4:54
